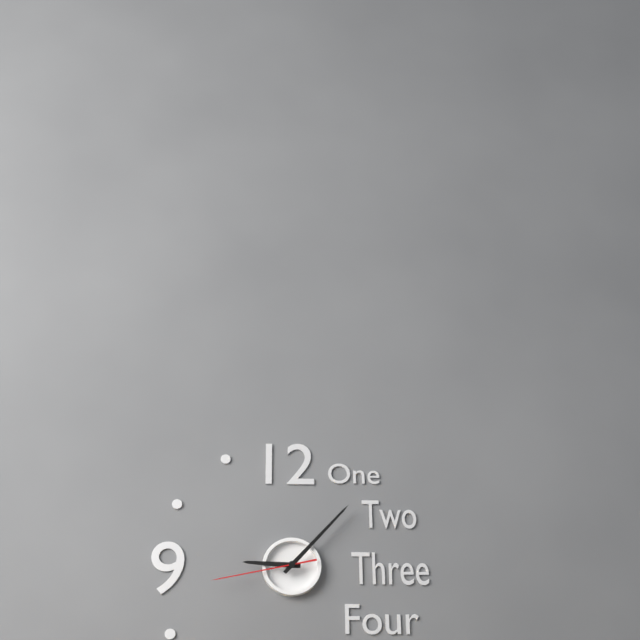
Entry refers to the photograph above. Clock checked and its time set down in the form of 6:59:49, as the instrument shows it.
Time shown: 9:07:43
